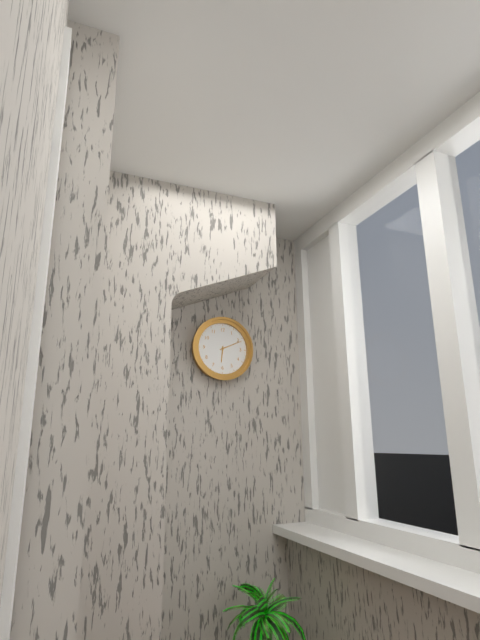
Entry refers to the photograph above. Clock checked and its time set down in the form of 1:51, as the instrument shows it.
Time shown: 6:11
